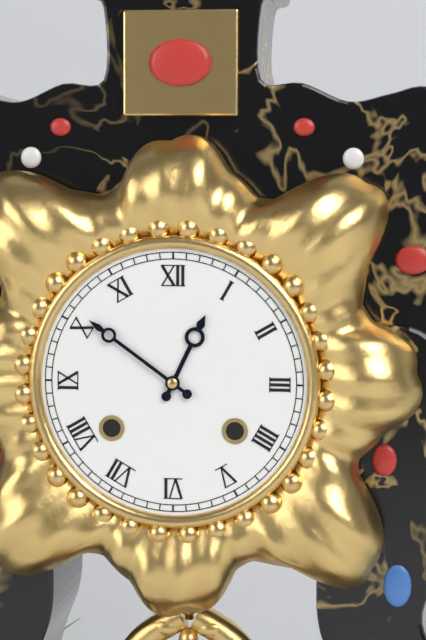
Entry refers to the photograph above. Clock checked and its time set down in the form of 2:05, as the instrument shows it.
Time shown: 12:51
